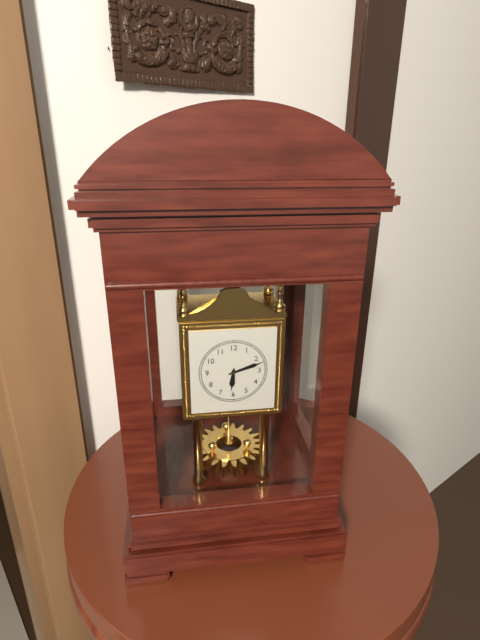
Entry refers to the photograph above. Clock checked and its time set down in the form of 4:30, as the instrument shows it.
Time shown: 6:12
